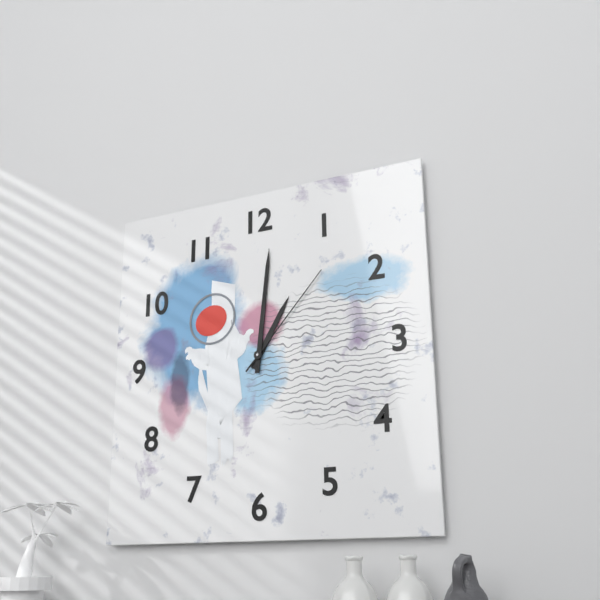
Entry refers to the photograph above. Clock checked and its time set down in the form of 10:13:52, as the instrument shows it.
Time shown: 1:01:07
